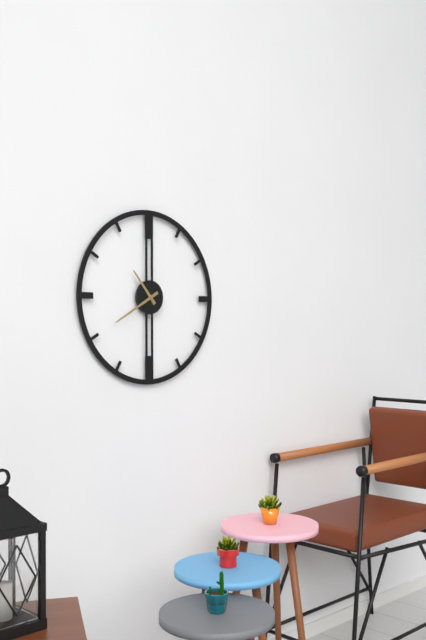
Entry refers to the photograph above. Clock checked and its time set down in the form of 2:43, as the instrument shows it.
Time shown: 10:40
